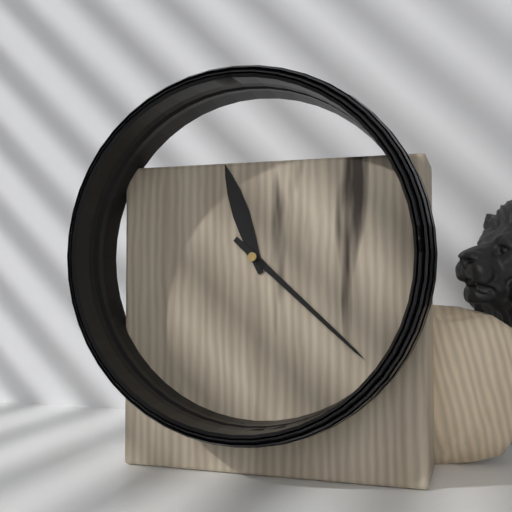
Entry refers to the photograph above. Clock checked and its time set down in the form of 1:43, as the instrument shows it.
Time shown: 11:22
